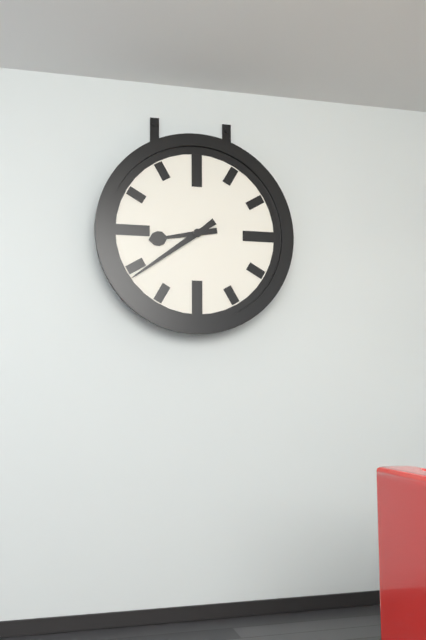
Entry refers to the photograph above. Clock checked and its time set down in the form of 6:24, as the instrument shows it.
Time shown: 8:39
